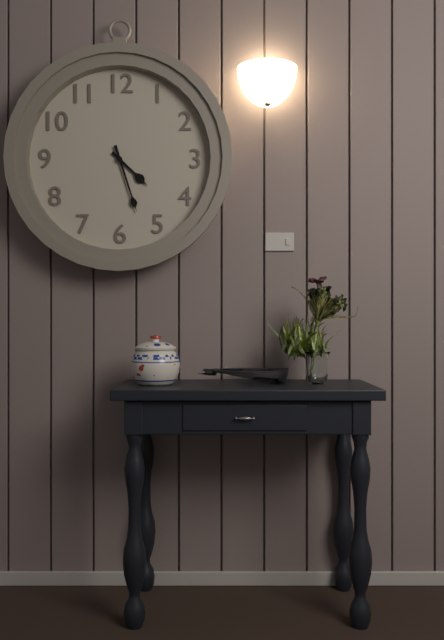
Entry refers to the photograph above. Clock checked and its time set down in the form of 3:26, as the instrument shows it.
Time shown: 4:27
